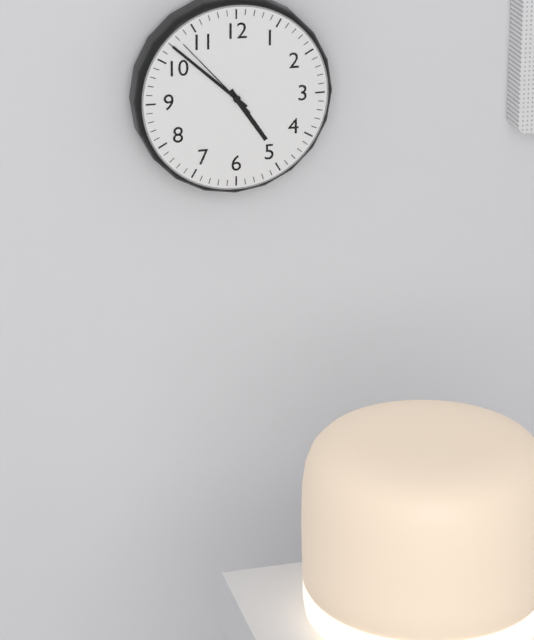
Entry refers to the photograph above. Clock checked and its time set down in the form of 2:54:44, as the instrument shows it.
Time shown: 4:52:53
